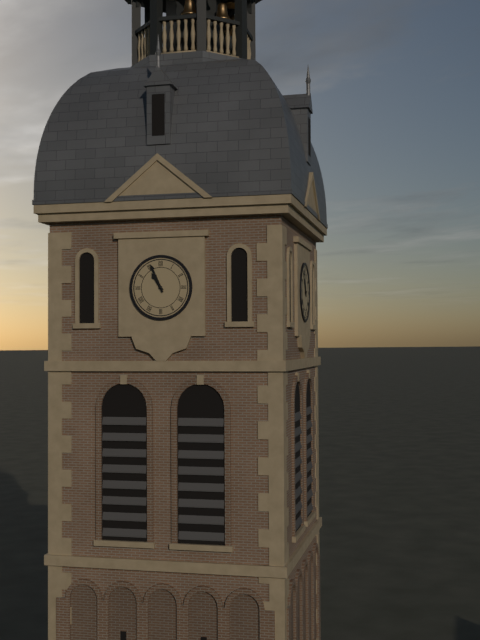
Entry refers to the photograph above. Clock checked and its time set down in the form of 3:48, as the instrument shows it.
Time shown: 10:56
